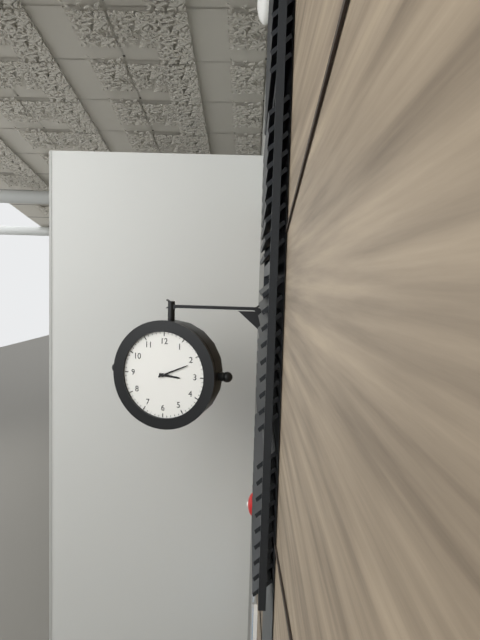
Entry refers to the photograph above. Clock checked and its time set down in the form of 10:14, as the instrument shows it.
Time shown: 3:11
